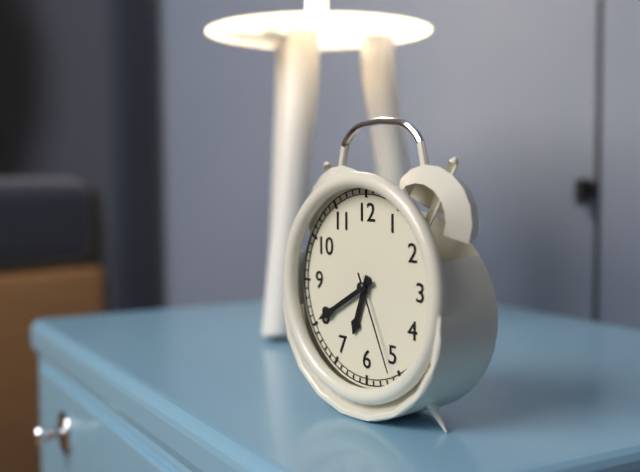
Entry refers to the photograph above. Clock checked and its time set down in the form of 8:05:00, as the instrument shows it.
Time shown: 6:40:26
